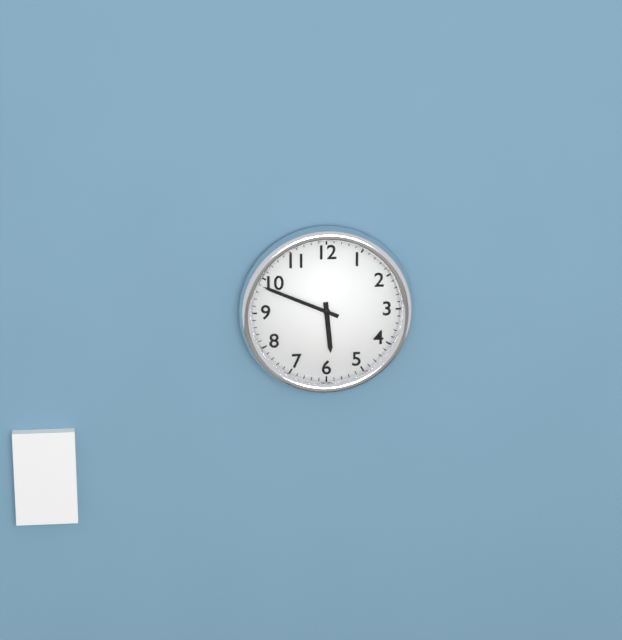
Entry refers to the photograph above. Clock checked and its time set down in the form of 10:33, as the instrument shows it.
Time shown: 5:49
